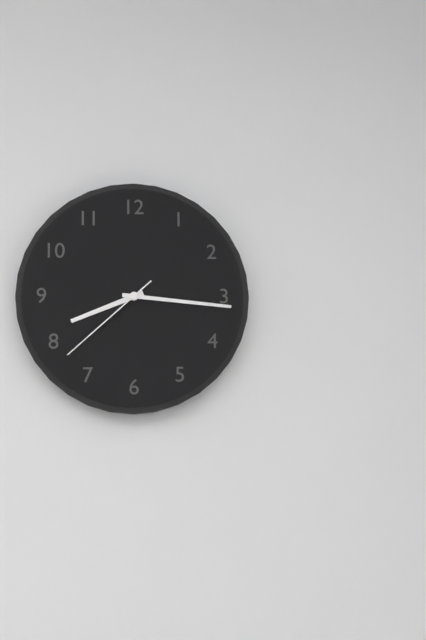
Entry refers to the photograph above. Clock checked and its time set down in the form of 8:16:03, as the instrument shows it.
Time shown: 8:16:38
